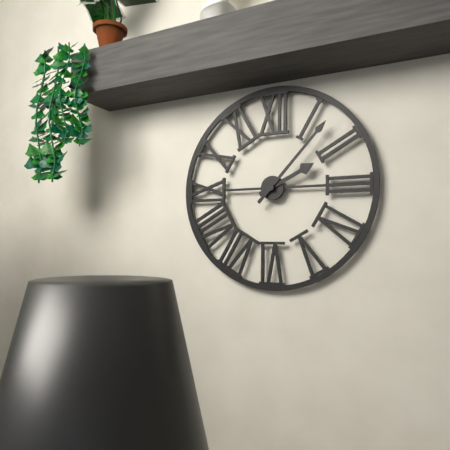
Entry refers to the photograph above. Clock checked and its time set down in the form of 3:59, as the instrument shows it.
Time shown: 2:07
